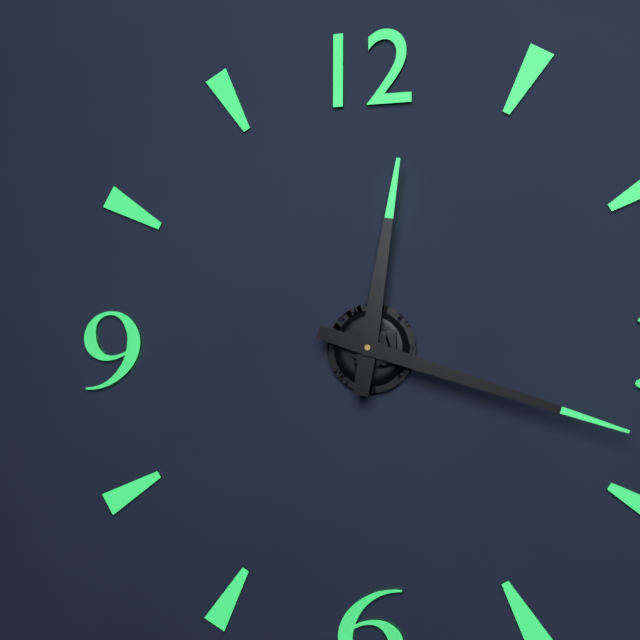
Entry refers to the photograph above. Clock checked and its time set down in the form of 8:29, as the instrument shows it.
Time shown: 12:18
